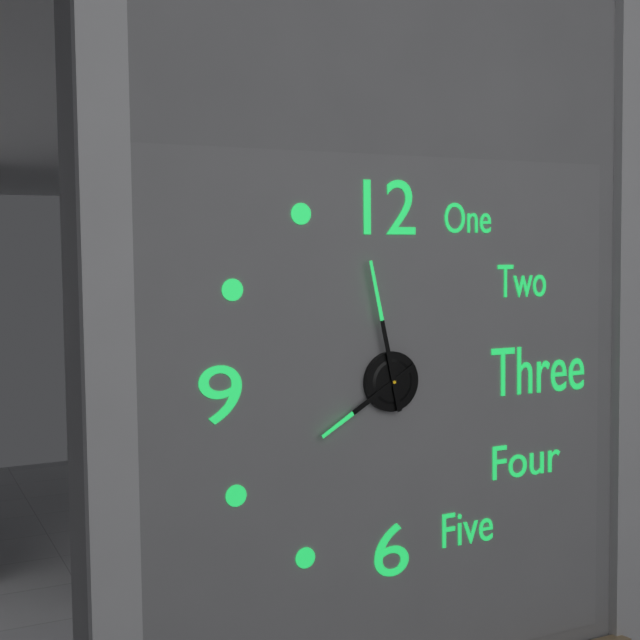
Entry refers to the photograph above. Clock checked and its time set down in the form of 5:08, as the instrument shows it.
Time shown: 7:58
